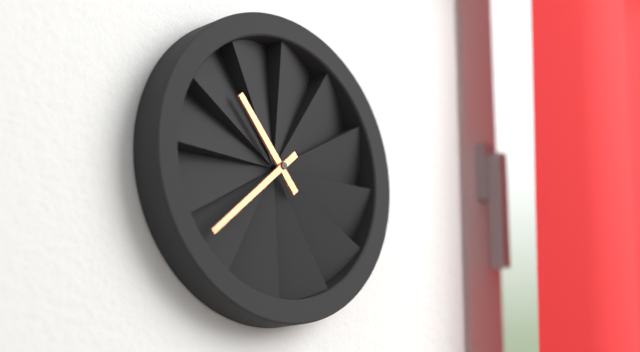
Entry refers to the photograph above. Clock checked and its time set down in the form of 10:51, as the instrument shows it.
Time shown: 10:38
